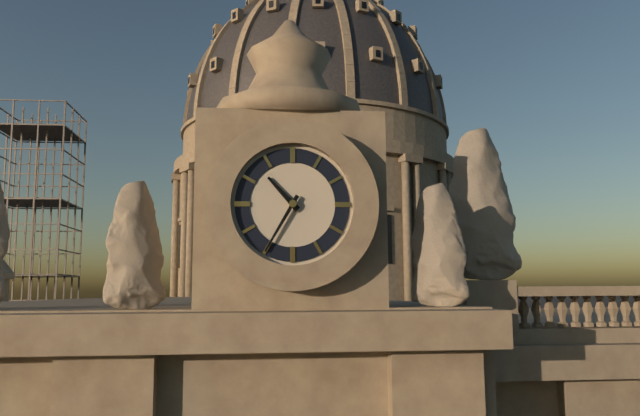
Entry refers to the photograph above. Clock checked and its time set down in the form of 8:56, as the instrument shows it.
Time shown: 10:35
